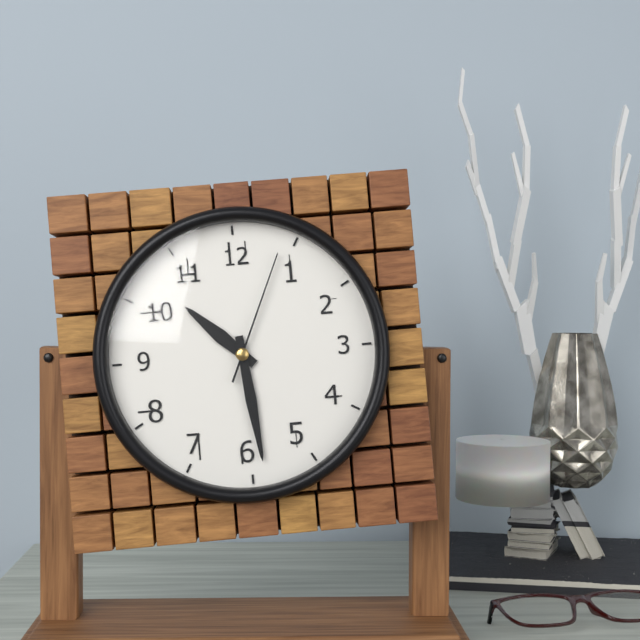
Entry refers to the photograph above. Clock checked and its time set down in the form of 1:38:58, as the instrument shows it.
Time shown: 10:29:04
